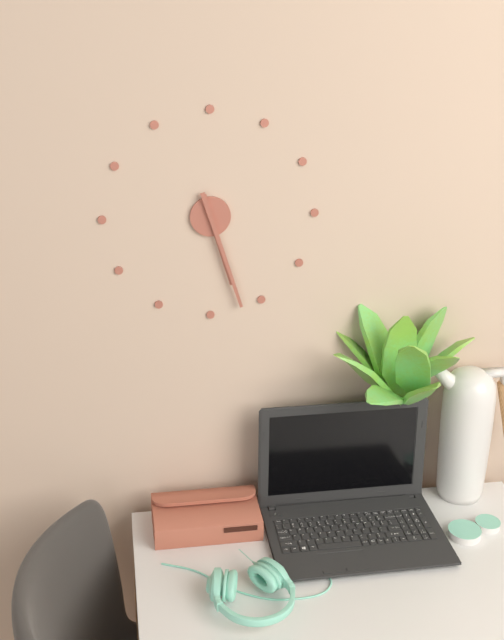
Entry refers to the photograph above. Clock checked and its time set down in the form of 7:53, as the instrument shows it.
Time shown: 5:27
